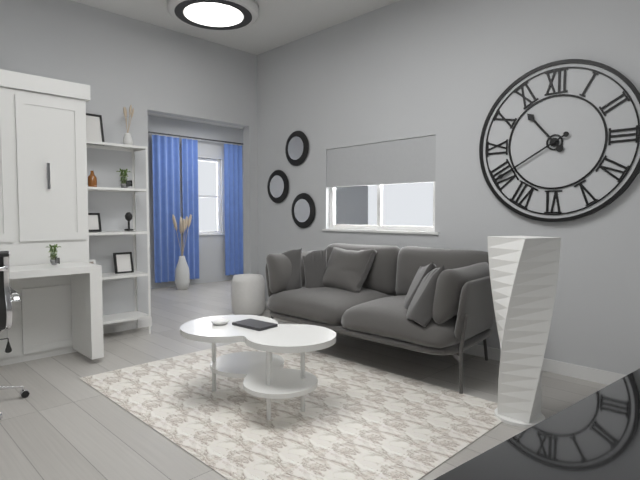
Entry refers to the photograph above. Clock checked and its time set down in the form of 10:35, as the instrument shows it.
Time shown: 10:40
